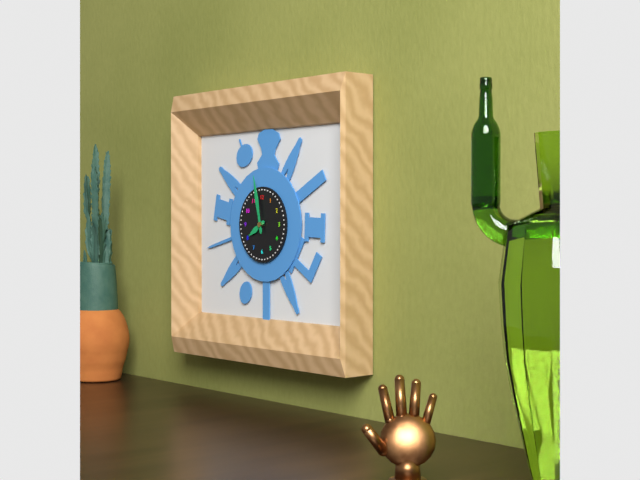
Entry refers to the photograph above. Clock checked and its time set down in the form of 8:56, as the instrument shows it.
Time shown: 7:58
